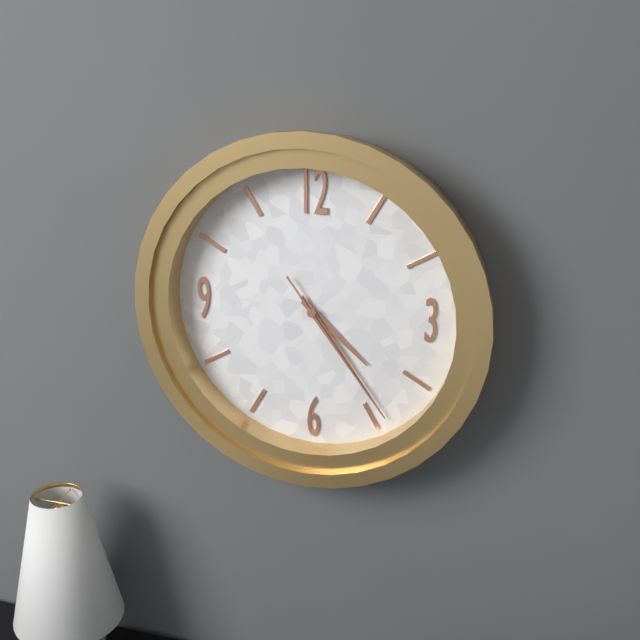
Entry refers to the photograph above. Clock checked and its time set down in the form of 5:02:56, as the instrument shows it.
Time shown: 4:24:24
